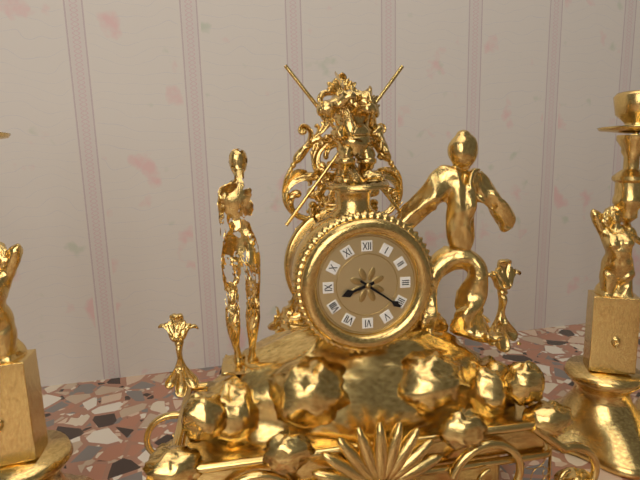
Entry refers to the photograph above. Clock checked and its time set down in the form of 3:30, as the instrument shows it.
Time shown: 8:21
